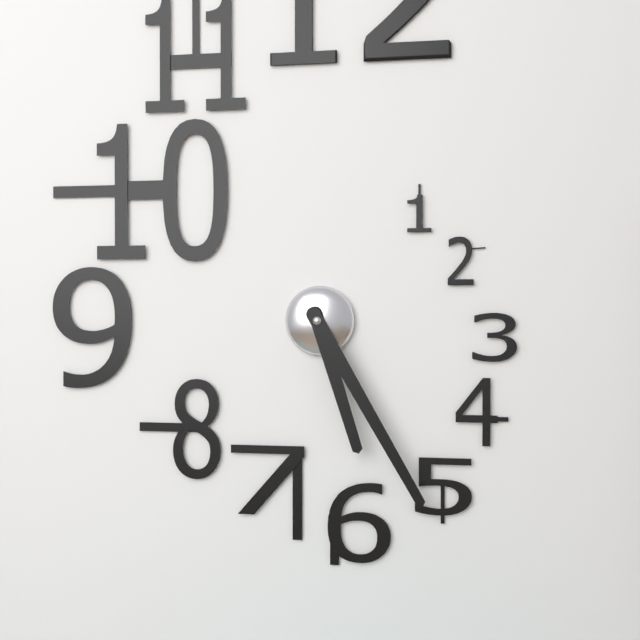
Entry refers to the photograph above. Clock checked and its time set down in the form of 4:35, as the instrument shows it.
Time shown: 5:25
